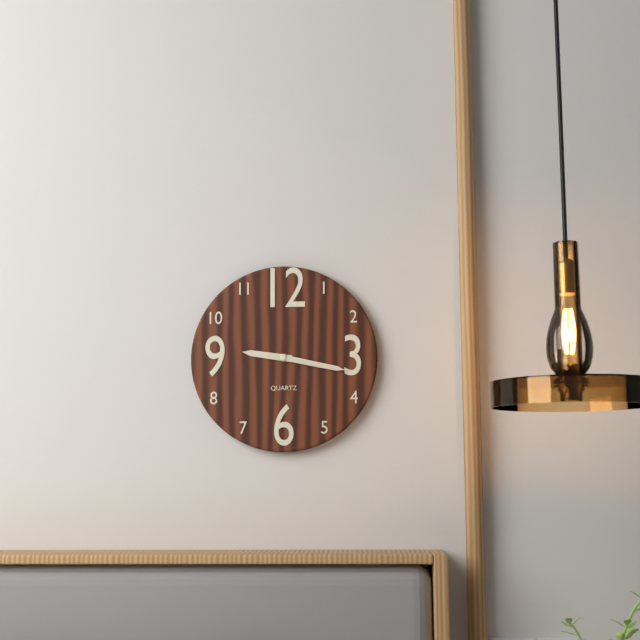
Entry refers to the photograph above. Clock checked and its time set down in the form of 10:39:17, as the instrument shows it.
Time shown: 9:17:17
